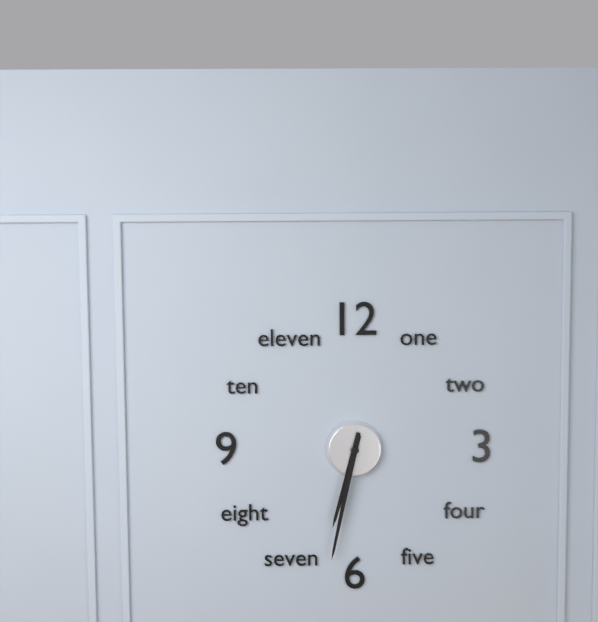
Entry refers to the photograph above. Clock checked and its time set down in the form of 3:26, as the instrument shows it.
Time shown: 6:32
